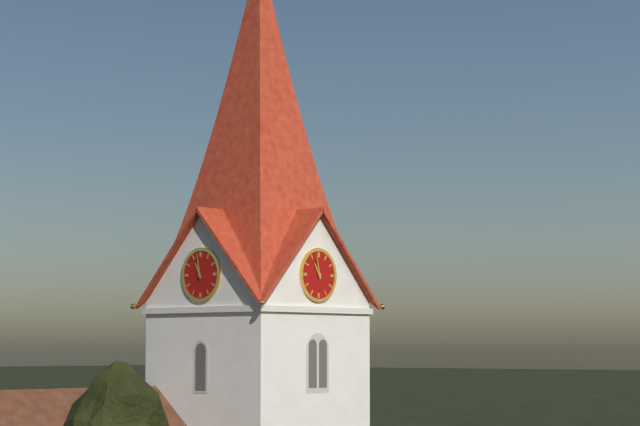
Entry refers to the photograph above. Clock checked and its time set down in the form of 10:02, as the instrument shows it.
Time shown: 10:58
